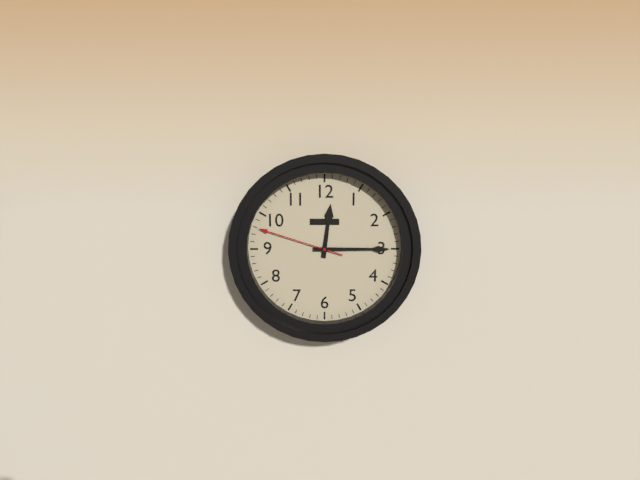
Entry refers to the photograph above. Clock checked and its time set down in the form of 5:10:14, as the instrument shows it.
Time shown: 12:15:48
